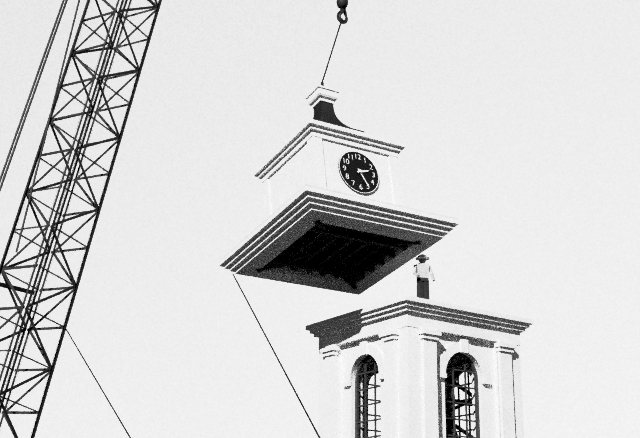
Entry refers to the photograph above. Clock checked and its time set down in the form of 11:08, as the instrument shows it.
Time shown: 2:25
